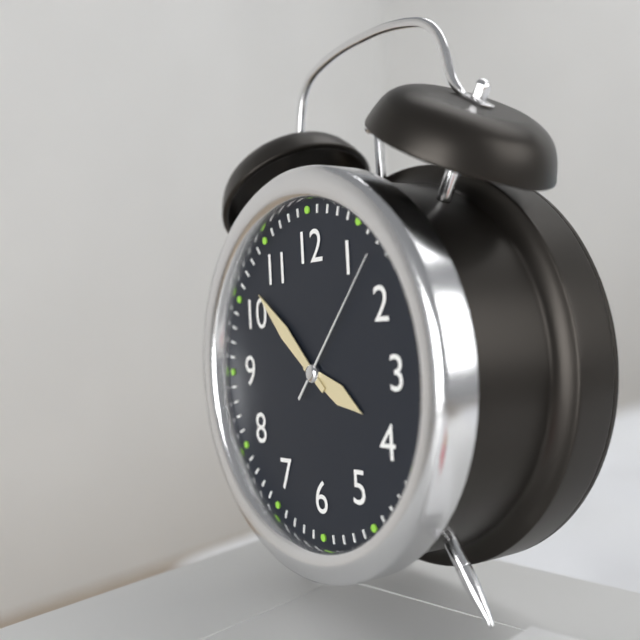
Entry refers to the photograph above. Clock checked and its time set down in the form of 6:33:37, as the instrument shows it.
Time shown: 3:52:07
